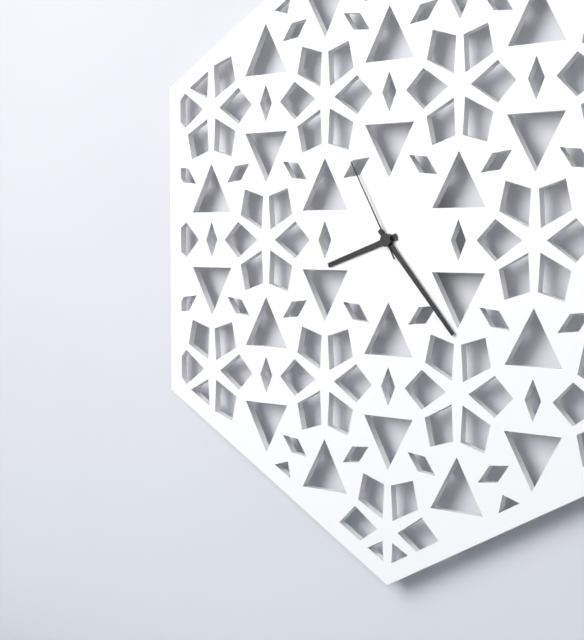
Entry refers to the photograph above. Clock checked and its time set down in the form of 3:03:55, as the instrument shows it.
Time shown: 8:23:55
